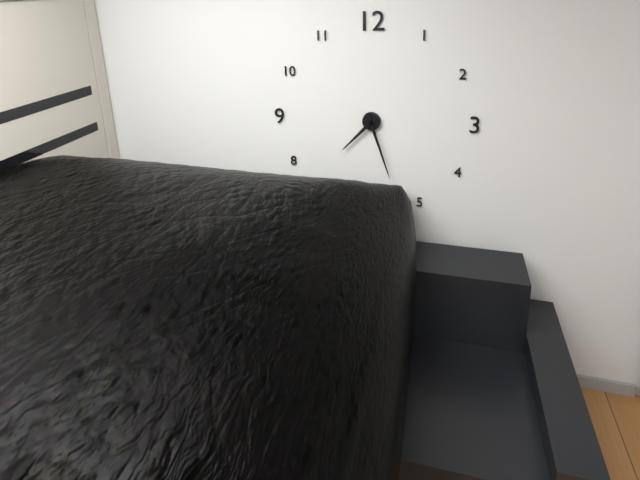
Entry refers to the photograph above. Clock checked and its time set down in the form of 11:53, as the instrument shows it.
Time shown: 7:27
